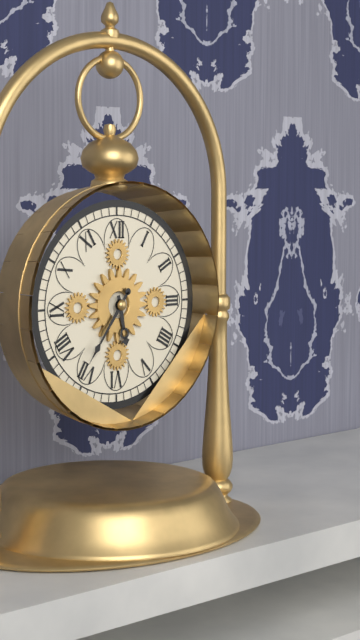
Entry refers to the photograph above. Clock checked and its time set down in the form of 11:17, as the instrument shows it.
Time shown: 5:36
